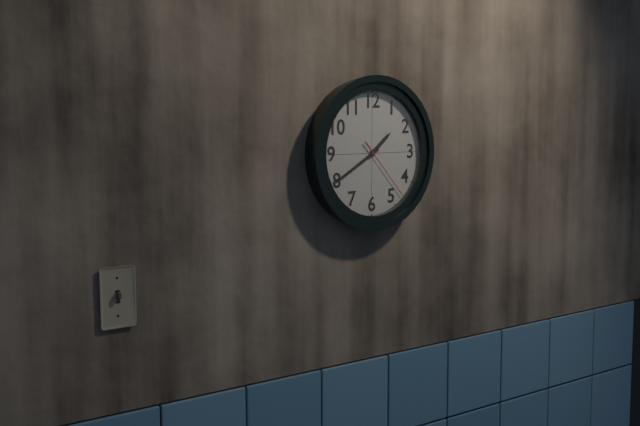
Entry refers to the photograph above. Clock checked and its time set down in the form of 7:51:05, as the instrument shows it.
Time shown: 1:40:23
